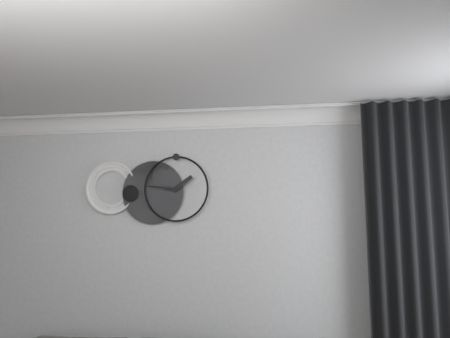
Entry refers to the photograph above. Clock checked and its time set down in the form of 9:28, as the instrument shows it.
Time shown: 1:46
